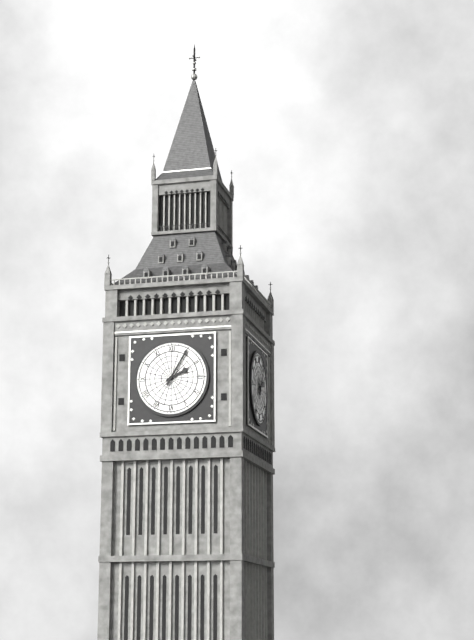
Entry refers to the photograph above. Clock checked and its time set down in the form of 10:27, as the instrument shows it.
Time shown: 2:05
